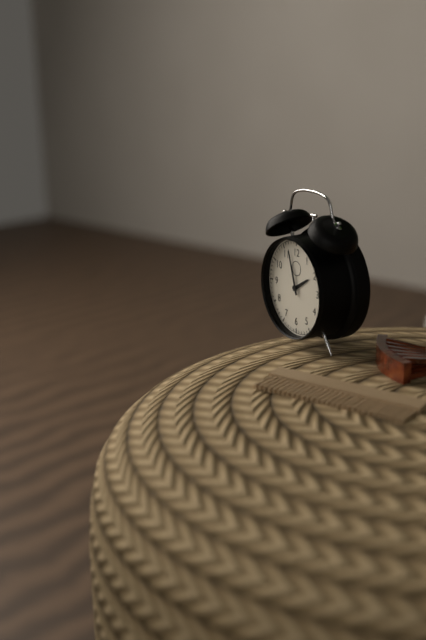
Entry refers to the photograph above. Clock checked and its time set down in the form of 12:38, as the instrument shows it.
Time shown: 1:57
